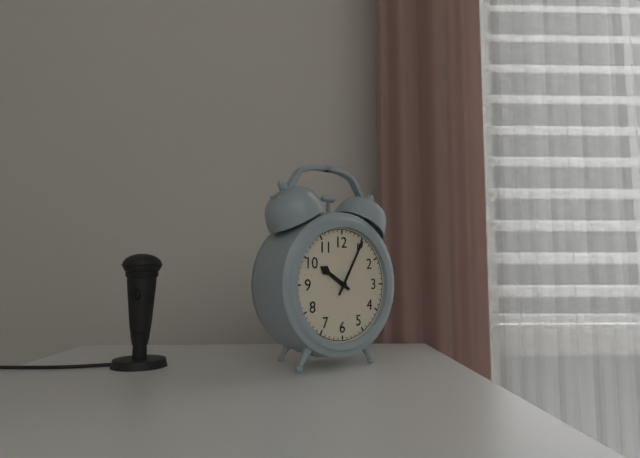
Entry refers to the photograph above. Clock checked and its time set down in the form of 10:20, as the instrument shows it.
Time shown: 10:05
